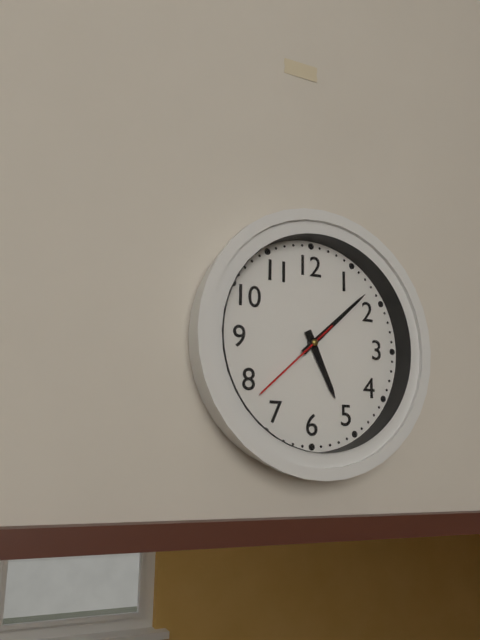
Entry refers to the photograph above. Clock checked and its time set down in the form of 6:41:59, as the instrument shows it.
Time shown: 5:08:38
